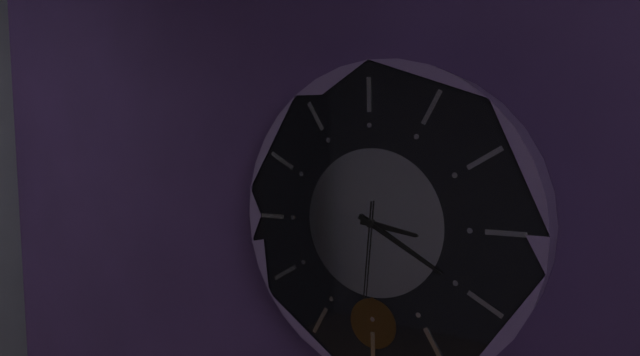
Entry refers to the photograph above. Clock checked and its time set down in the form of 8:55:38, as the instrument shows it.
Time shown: 3:20:31
